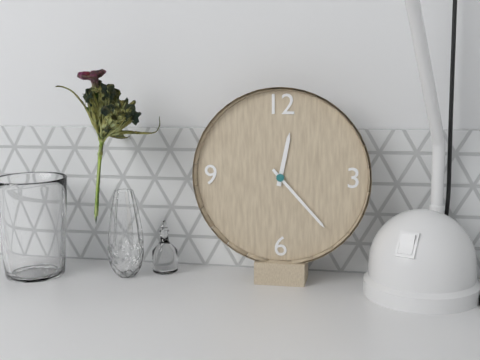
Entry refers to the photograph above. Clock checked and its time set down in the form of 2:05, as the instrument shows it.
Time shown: 12:23
